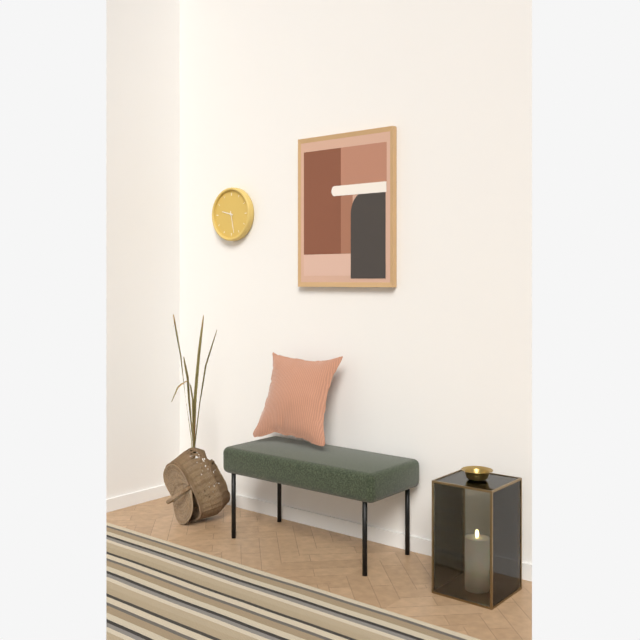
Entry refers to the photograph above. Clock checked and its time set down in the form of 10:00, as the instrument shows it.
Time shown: 9:28
